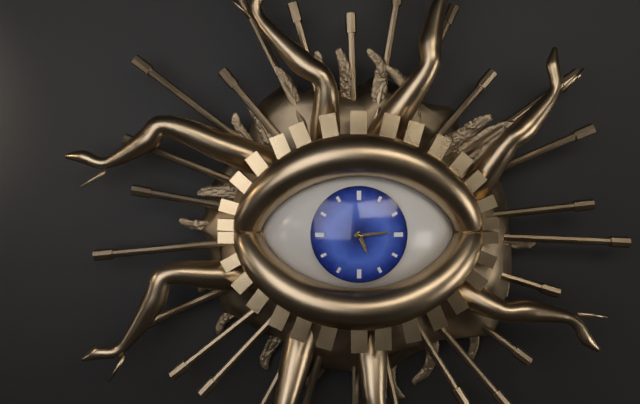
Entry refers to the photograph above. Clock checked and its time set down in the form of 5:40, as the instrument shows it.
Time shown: 5:14
